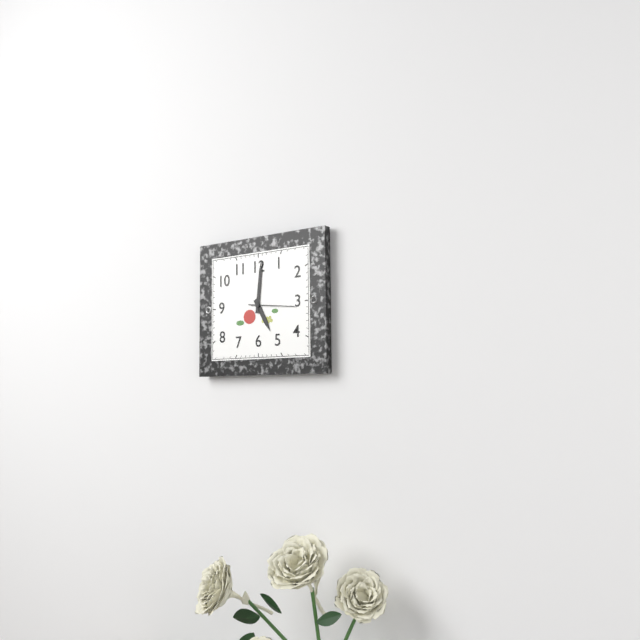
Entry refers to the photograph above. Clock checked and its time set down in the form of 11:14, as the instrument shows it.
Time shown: 5:01
